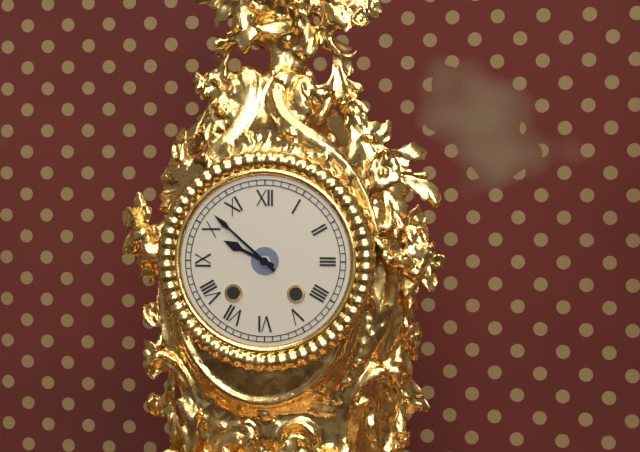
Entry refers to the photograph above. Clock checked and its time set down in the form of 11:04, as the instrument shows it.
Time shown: 9:52
